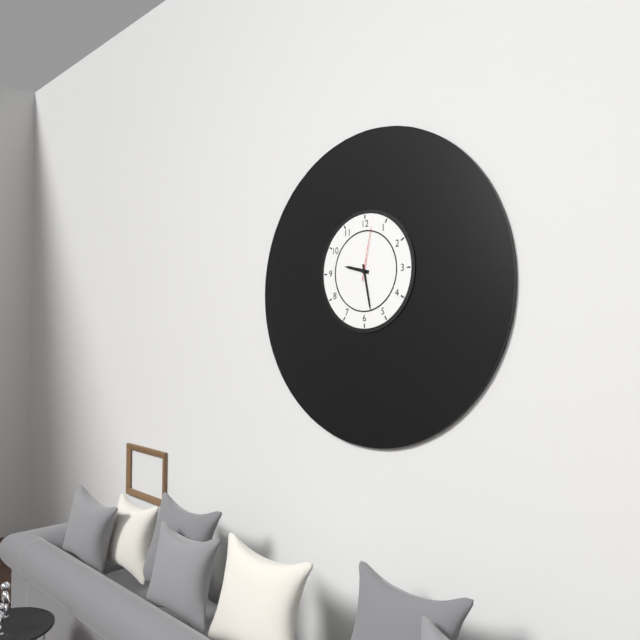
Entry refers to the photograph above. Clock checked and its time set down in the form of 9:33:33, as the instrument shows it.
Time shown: 9:28:02
